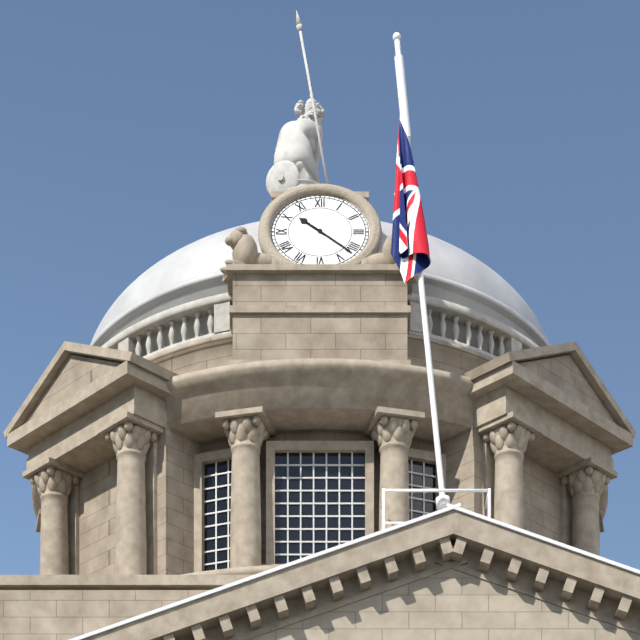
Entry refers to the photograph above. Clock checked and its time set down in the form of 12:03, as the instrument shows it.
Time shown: 10:22
